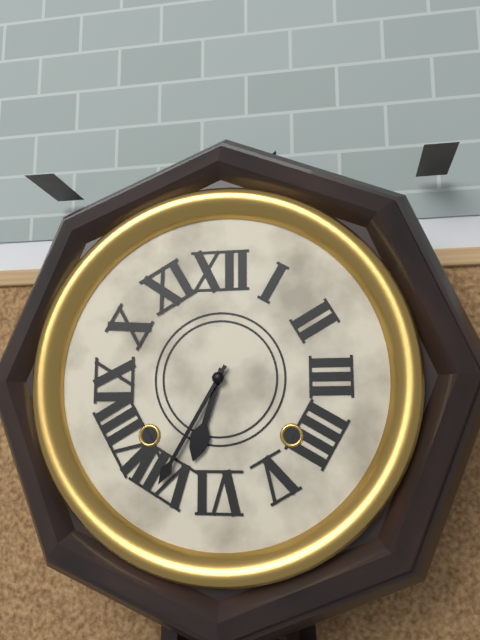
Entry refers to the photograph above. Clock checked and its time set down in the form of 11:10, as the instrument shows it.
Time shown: 6:35
